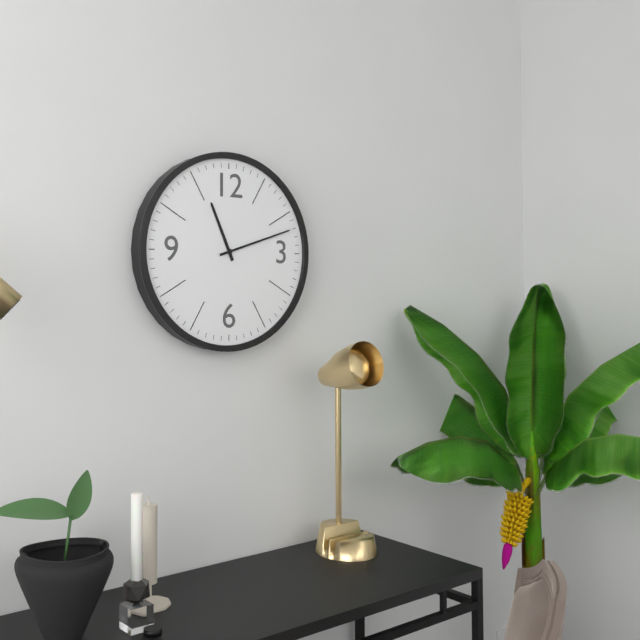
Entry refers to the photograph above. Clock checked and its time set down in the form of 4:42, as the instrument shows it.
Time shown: 11:12
